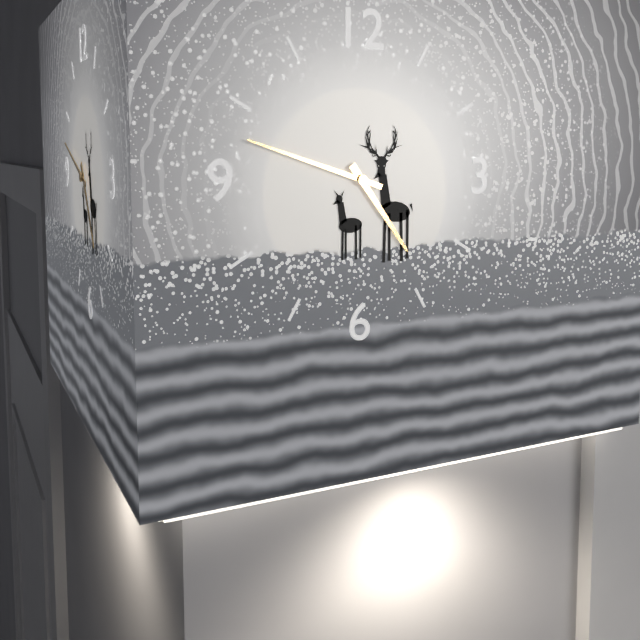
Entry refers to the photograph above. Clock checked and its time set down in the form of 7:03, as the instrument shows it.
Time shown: 4:48
